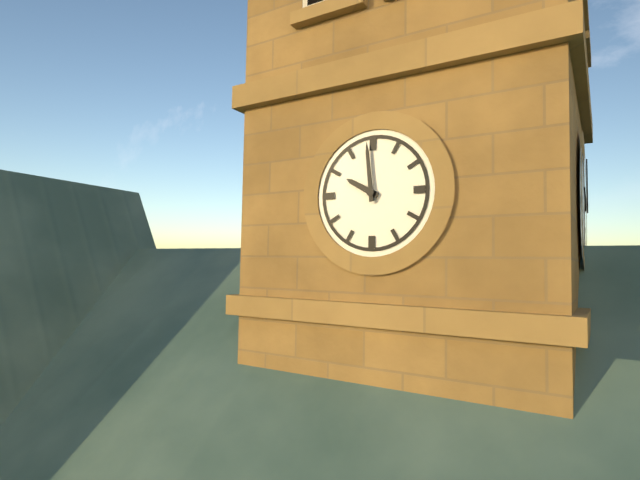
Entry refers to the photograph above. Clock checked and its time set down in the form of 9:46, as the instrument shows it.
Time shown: 9:59
